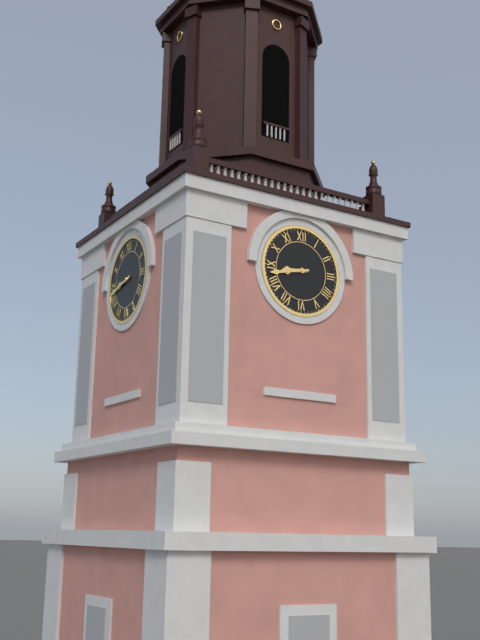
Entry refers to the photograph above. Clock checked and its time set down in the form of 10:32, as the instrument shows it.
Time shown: 8:43
